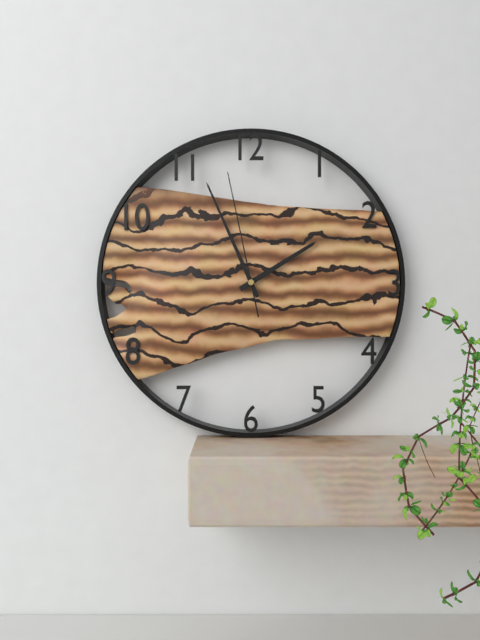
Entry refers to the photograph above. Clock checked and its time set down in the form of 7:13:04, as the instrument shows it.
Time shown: 1:56:58
